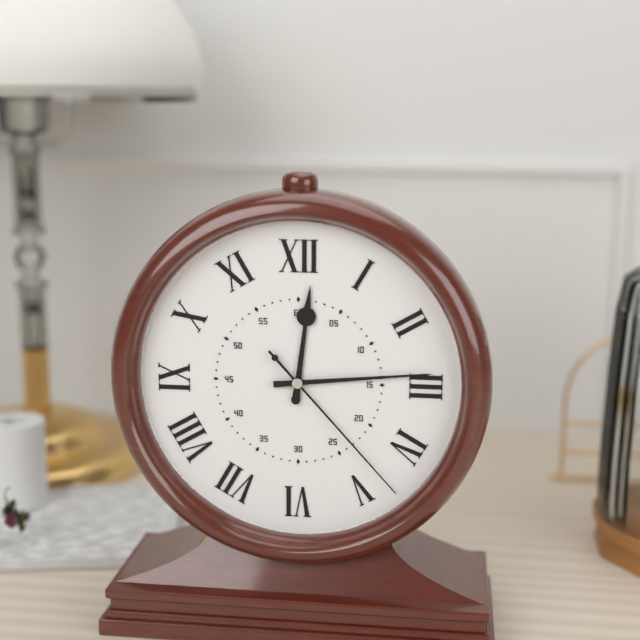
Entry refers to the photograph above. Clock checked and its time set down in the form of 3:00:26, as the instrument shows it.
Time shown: 12:14:23
